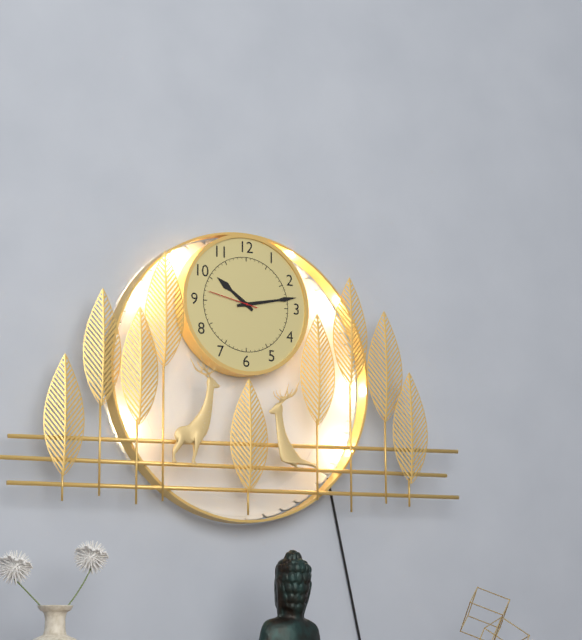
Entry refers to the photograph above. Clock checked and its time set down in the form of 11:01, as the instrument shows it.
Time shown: 10:13
